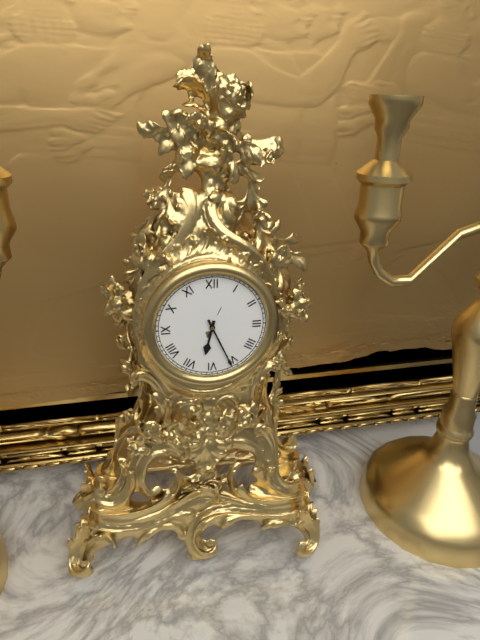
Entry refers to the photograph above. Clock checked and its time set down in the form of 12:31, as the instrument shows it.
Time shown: 6:26
